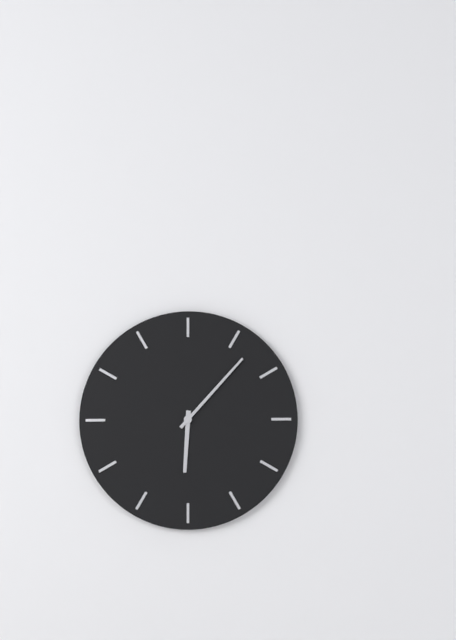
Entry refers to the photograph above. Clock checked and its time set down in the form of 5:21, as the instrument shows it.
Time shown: 6:07
